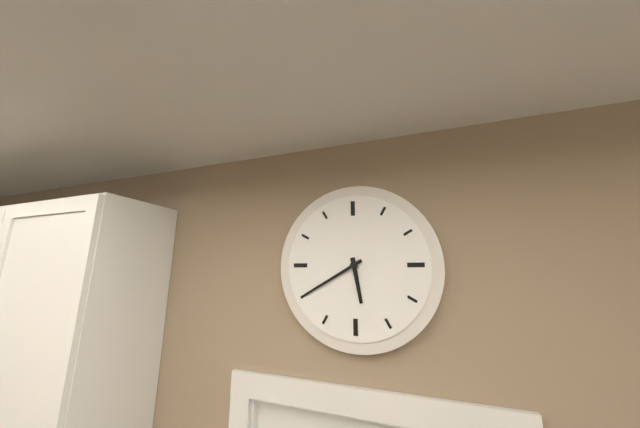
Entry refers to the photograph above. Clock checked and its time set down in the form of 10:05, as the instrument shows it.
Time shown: 5:40
